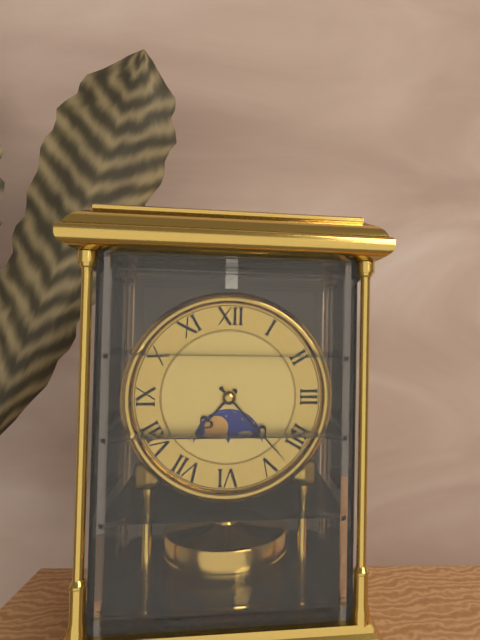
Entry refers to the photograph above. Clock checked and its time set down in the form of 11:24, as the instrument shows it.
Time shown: 7:23
